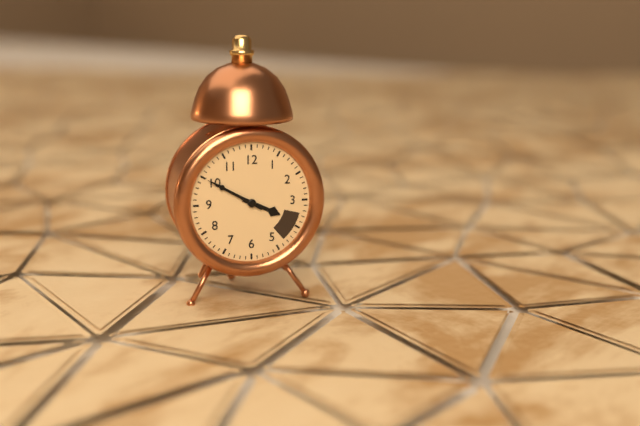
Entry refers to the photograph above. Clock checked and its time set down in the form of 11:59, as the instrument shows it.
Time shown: 3:50
